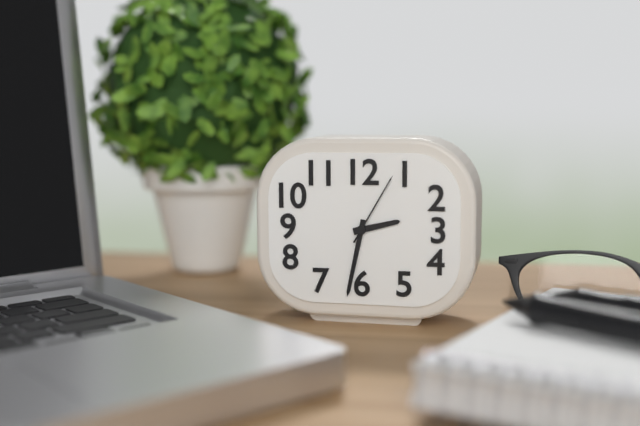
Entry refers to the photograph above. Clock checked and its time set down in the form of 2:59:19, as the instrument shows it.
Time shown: 2:32:05
